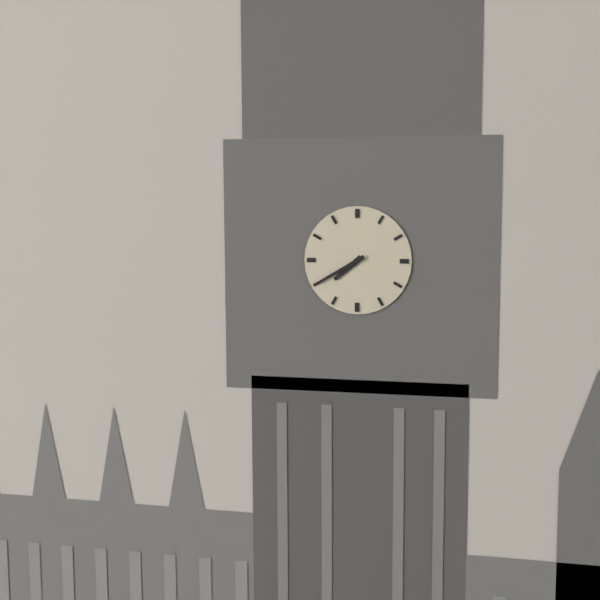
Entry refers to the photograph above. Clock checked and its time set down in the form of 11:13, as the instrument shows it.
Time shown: 7:40
